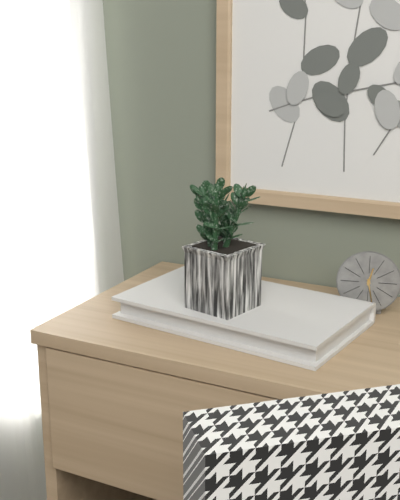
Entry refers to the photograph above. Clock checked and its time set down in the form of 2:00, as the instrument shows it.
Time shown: 12:28
